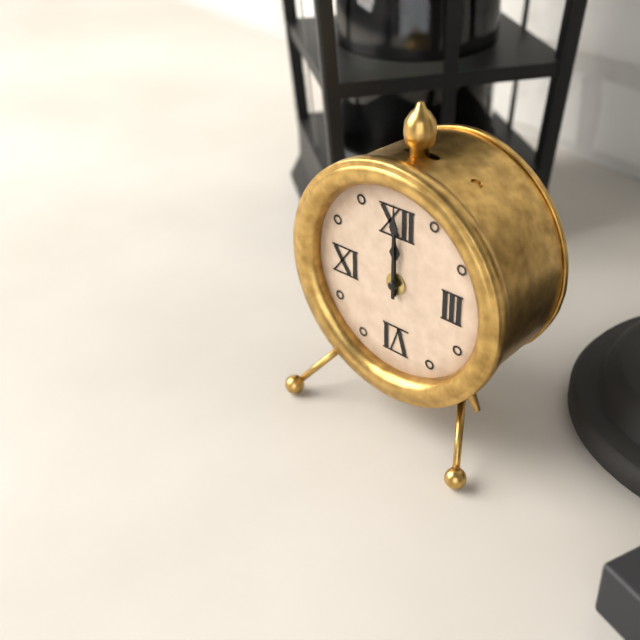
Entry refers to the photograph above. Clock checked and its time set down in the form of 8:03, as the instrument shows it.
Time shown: 12:00
